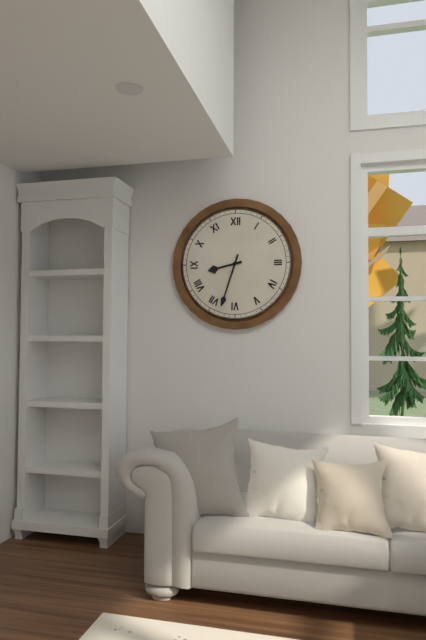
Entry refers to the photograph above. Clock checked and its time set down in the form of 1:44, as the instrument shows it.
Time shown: 8:33
